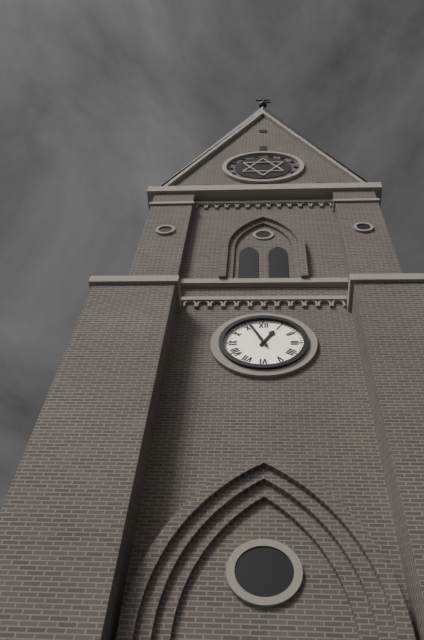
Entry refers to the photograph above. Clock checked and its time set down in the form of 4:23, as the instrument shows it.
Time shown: 12:56
